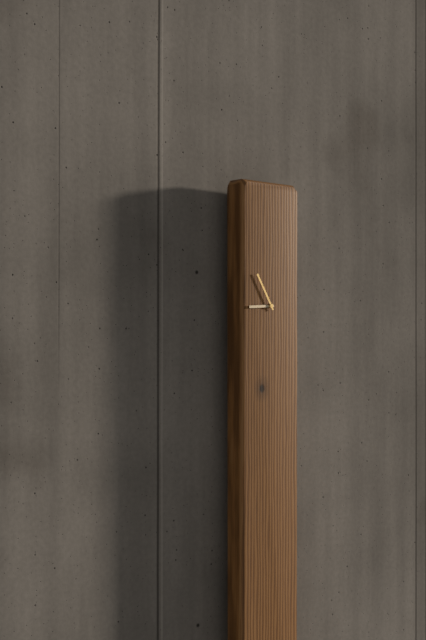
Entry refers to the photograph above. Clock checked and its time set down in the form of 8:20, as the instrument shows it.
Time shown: 8:55
